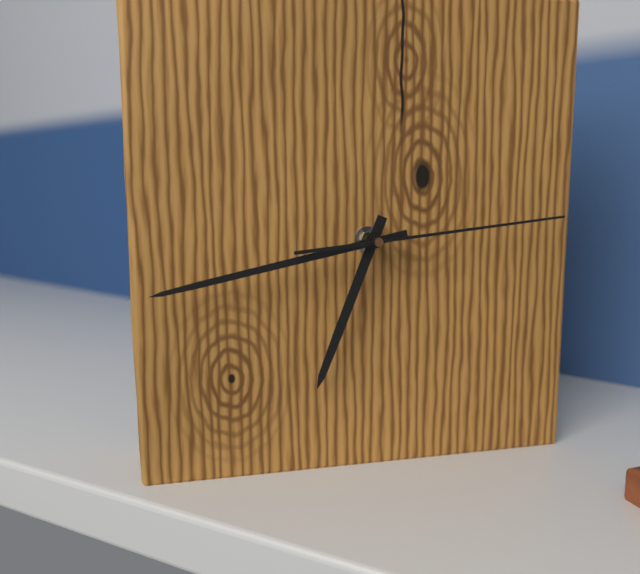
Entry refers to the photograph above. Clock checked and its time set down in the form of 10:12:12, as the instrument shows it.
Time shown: 6:43:14
